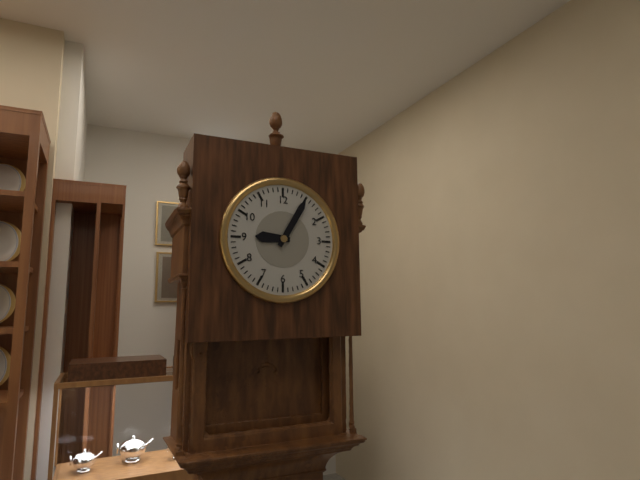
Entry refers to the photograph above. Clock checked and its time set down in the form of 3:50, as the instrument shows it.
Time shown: 9:05
